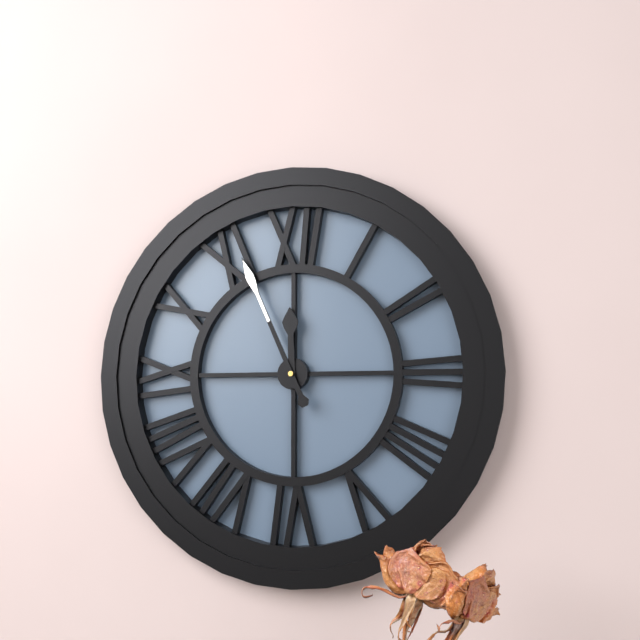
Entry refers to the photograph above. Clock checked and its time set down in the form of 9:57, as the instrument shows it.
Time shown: 11:56
